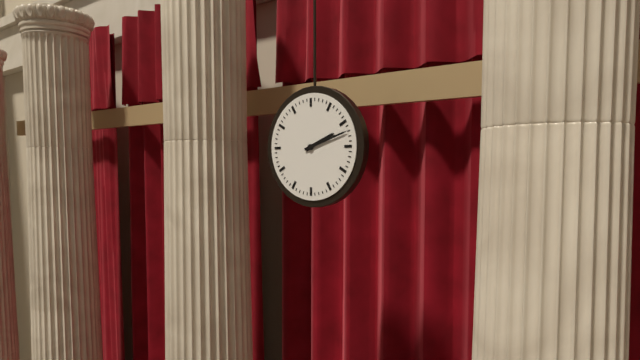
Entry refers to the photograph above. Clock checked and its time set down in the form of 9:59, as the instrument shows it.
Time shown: 2:12
